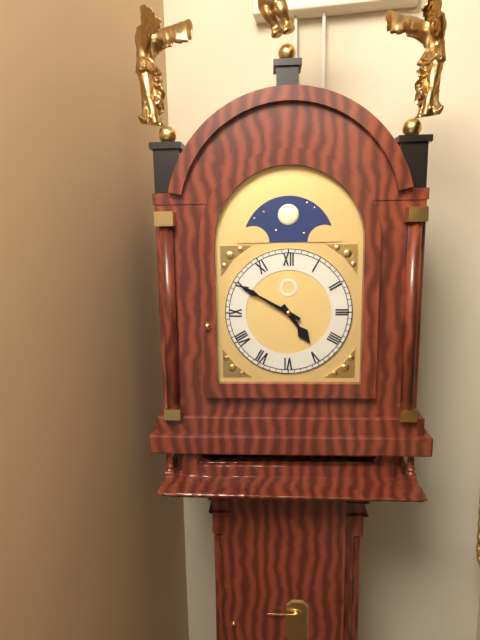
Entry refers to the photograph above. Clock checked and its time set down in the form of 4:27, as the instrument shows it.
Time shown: 4:50
